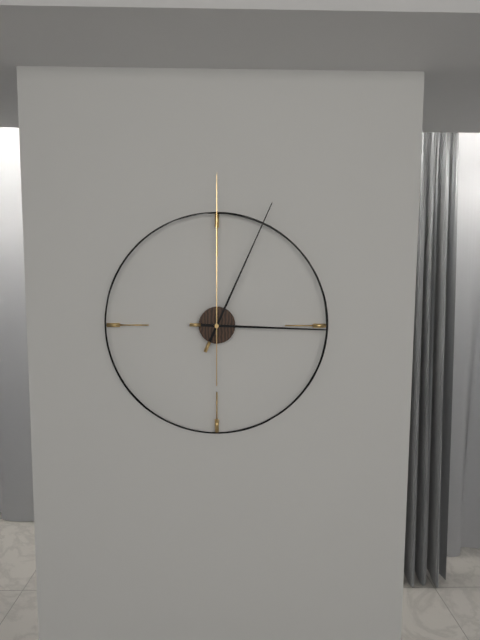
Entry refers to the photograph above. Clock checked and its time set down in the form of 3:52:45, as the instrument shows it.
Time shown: 3:04:00
